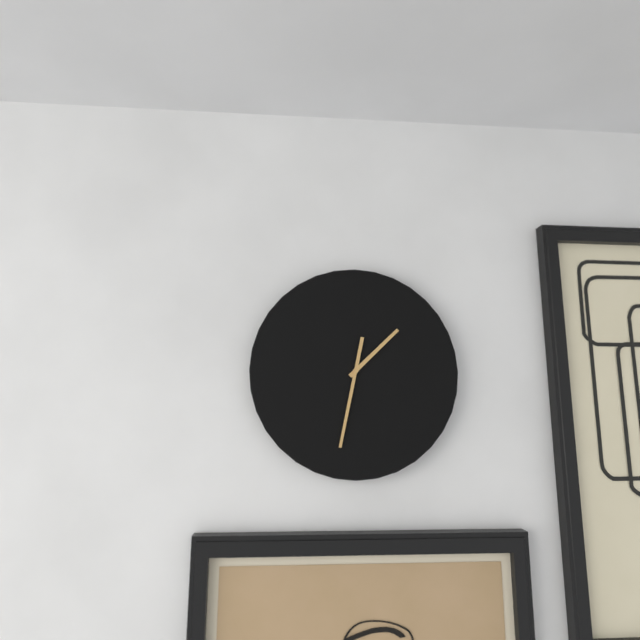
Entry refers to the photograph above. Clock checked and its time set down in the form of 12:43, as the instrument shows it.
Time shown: 1:32
